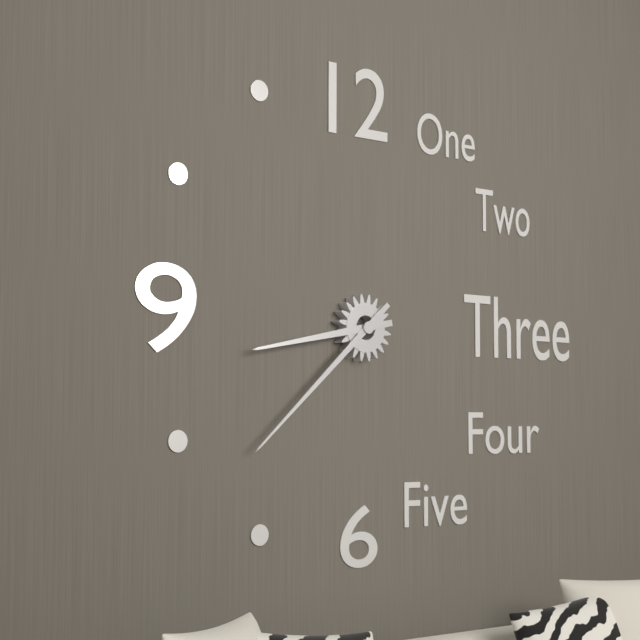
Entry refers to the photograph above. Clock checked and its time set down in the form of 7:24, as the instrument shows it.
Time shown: 8:38
